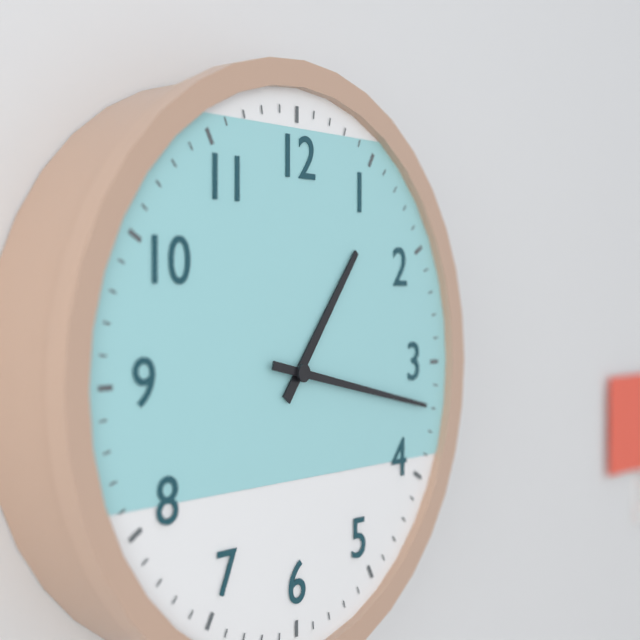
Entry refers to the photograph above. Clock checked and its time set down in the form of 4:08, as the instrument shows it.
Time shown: 1:17
